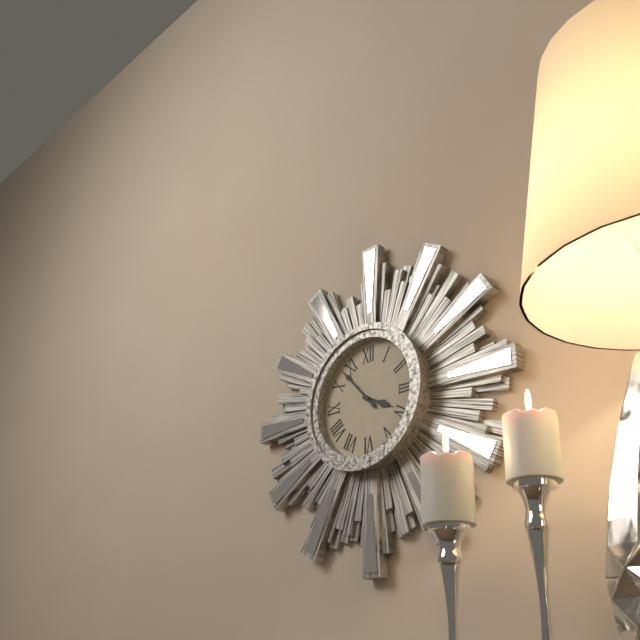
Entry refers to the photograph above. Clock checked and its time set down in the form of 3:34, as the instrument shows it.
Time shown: 3:53
